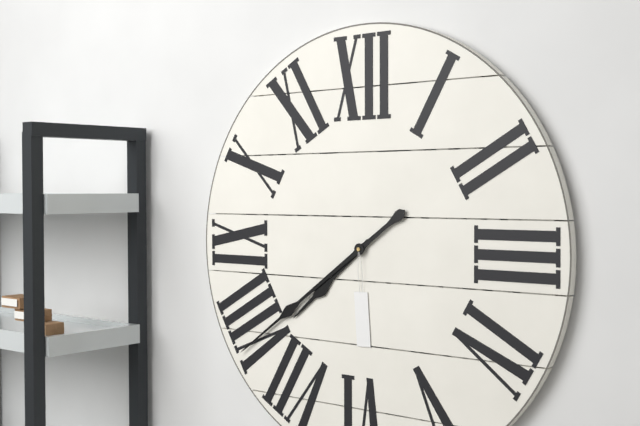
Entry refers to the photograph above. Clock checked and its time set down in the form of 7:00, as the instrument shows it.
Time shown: 7:39
